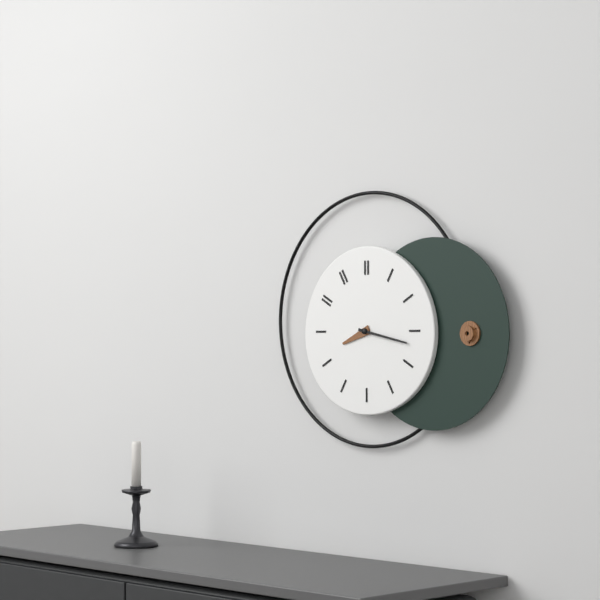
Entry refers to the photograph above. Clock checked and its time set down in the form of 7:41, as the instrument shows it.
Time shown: 8:17
